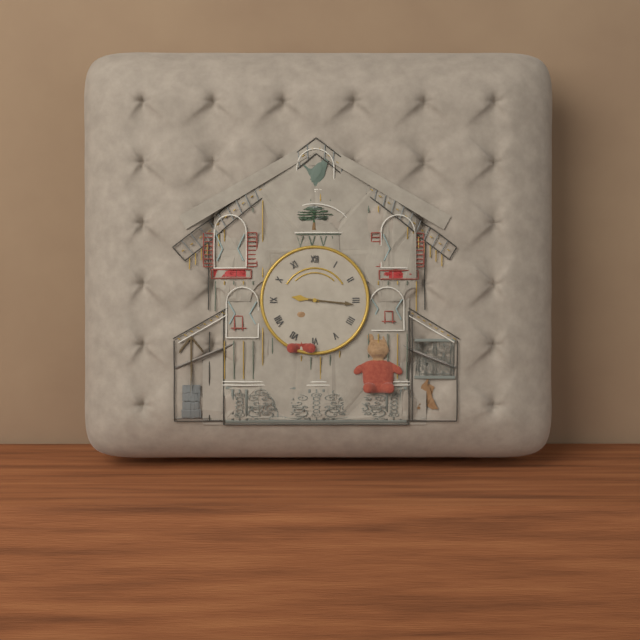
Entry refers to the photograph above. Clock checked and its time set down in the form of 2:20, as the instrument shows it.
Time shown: 9:16
